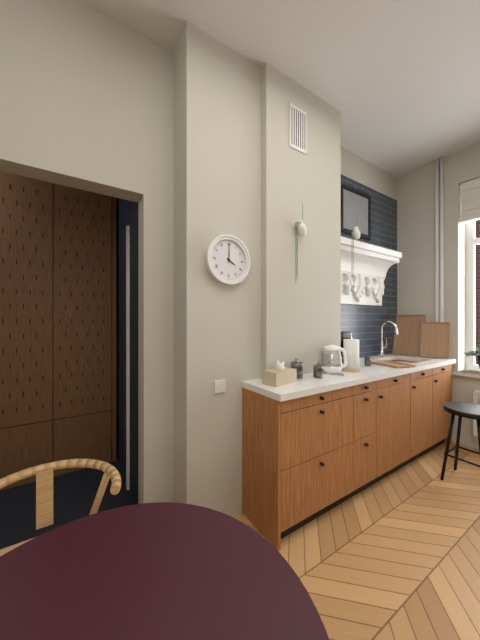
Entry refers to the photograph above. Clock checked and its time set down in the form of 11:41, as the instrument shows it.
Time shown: 4:00
